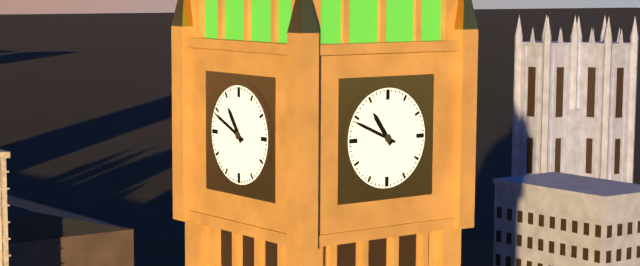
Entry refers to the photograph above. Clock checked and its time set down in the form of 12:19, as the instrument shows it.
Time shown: 10:49
